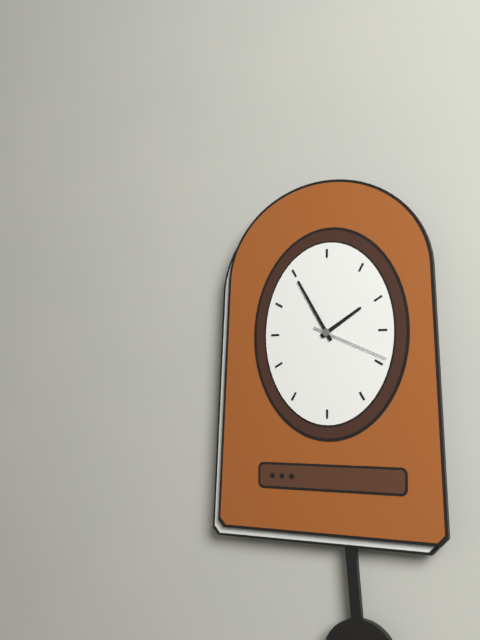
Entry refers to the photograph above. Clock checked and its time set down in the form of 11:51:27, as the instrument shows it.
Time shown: 1:55:19
